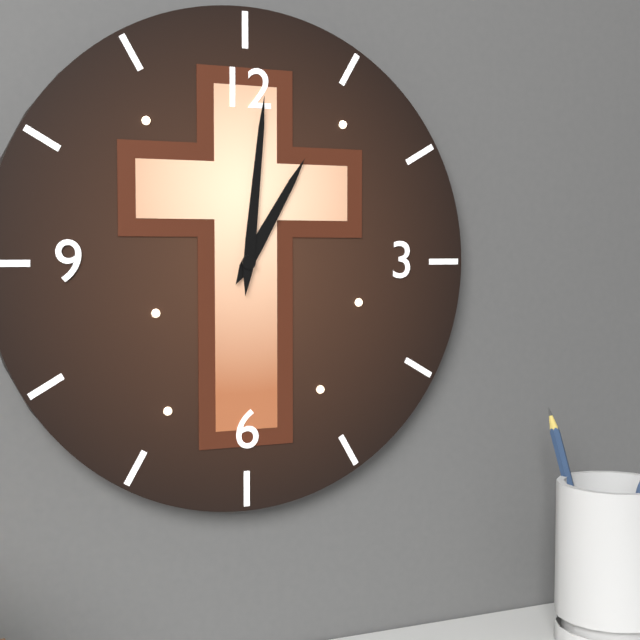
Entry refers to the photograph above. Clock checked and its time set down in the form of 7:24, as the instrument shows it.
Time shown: 1:01
